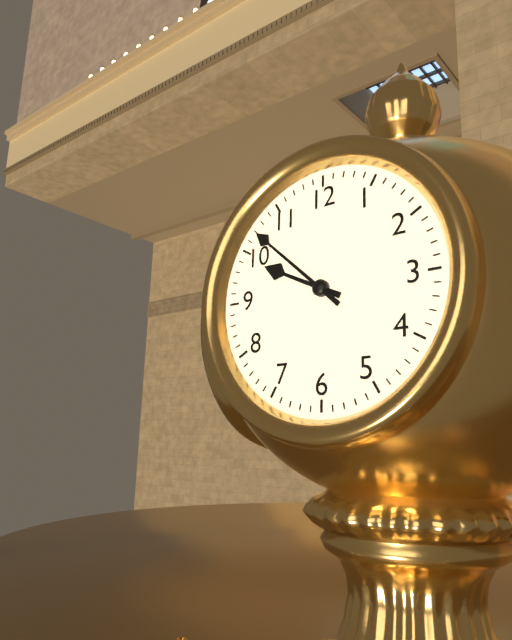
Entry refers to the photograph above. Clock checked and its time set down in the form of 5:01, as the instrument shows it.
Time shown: 9:52
